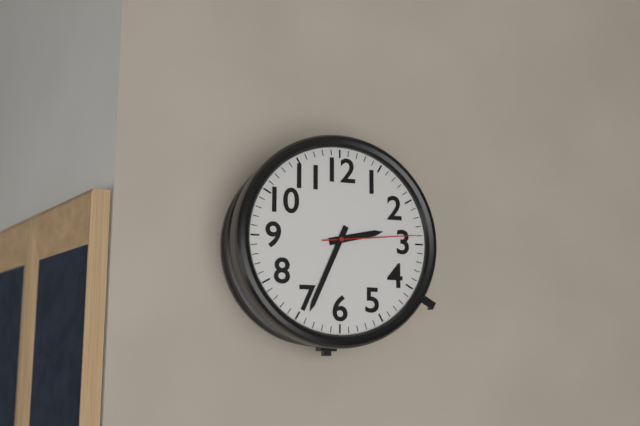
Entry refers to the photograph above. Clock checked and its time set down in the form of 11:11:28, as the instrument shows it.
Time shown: 2:34:14
